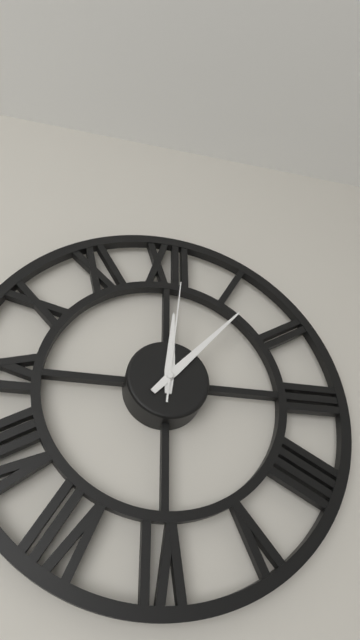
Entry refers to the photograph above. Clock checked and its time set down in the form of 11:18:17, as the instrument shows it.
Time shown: 12:07:01
